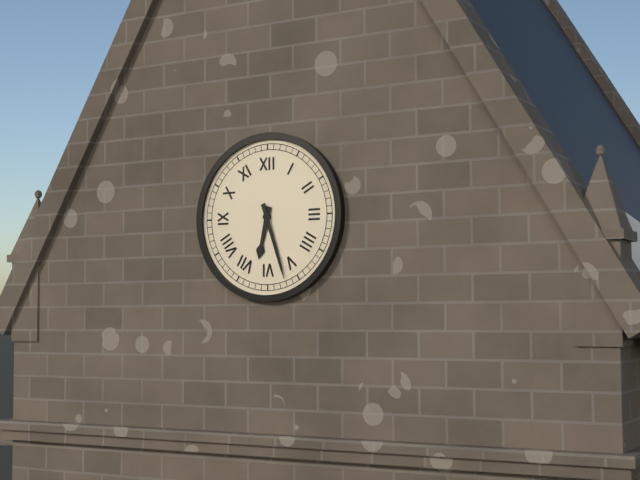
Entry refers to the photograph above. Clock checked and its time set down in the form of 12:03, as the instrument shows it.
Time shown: 6:27
